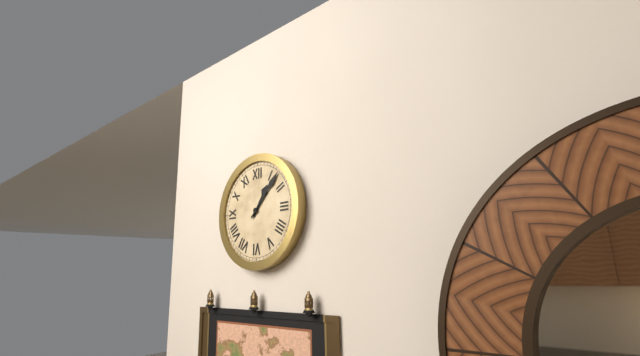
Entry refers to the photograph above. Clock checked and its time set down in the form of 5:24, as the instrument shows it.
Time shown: 1:07
